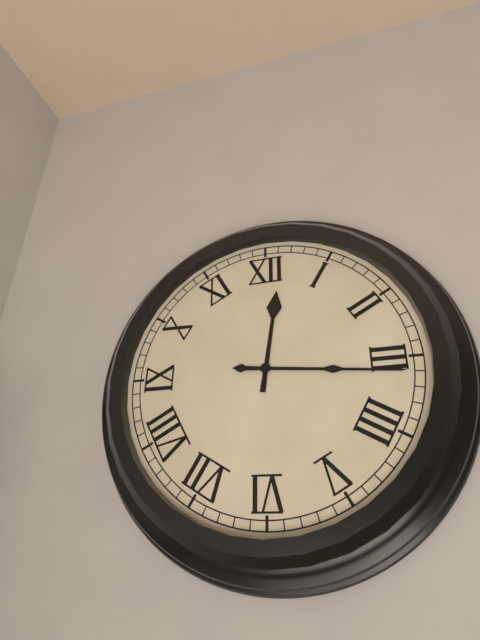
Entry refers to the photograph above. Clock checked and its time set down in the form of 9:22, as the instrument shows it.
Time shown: 12:16
